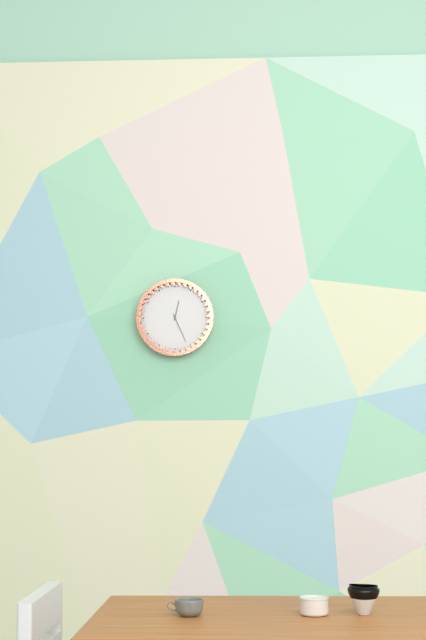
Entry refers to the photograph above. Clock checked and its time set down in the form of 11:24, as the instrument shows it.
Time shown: 12:26
